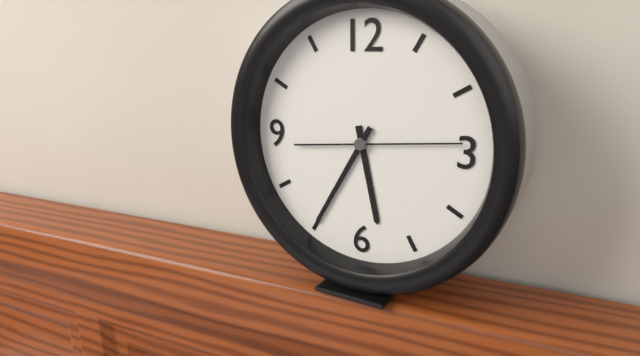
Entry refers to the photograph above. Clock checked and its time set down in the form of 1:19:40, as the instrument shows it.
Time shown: 5:35:14
